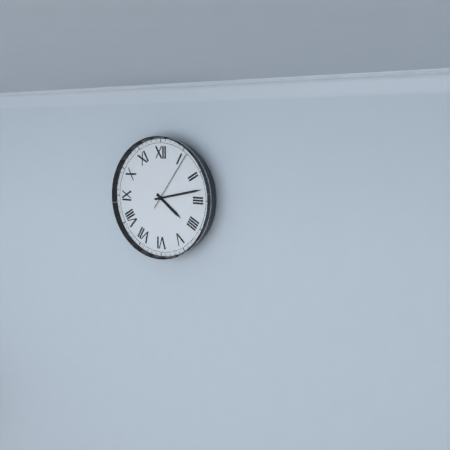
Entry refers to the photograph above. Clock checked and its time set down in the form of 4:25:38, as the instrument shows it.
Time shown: 4:13:06
